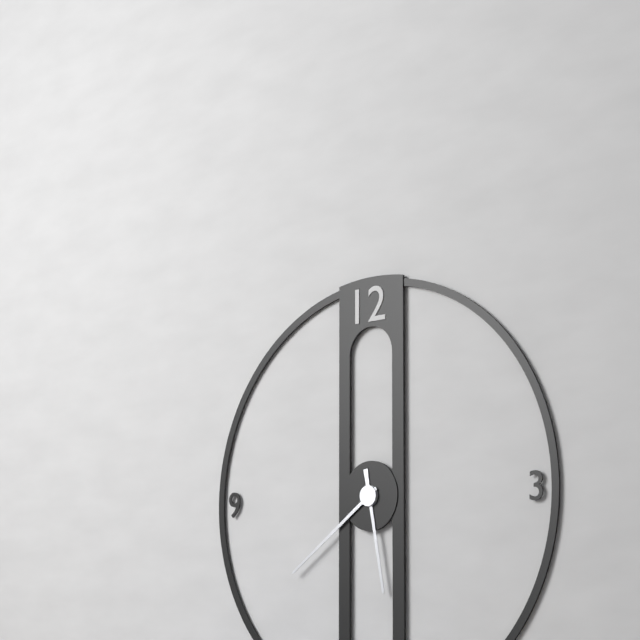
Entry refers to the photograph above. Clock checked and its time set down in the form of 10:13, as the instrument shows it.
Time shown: 5:39
